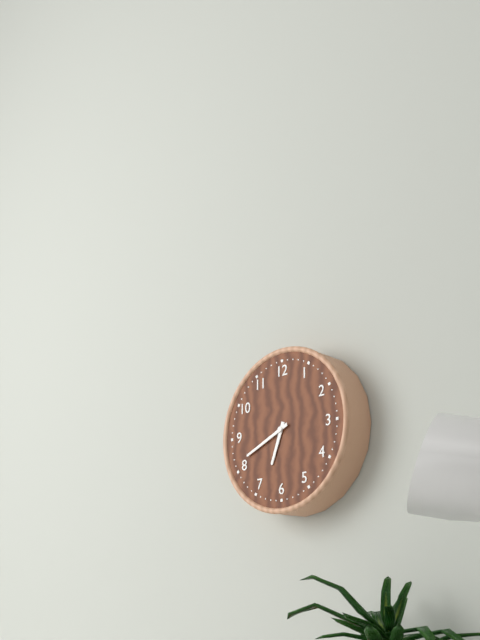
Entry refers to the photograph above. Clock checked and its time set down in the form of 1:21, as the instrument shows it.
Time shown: 6:41
